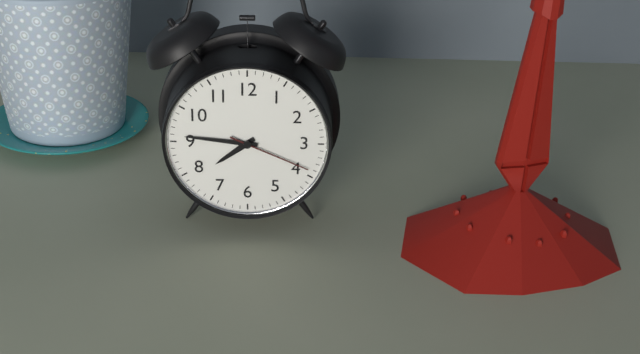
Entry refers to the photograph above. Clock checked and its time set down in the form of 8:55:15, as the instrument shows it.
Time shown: 7:46:19
